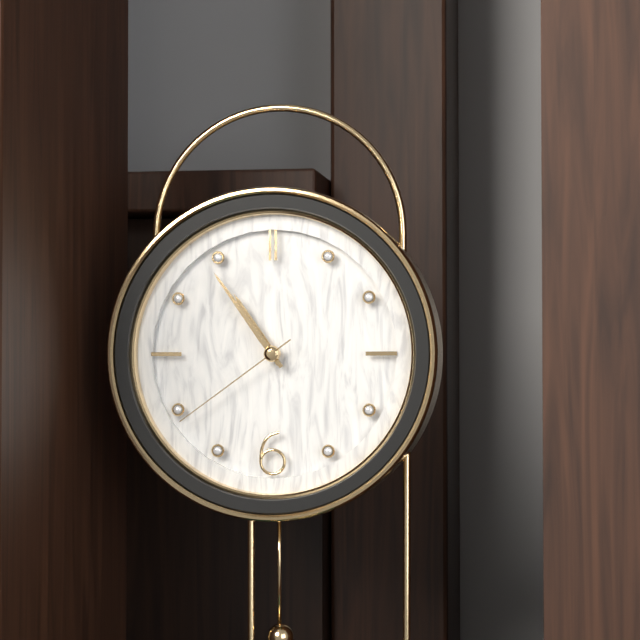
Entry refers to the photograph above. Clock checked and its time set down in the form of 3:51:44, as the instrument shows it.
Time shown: 10:54:39
